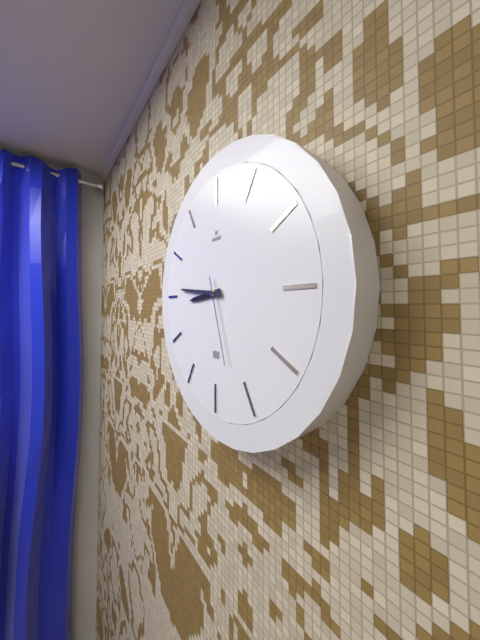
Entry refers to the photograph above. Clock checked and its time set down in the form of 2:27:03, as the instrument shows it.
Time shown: 8:46:27
